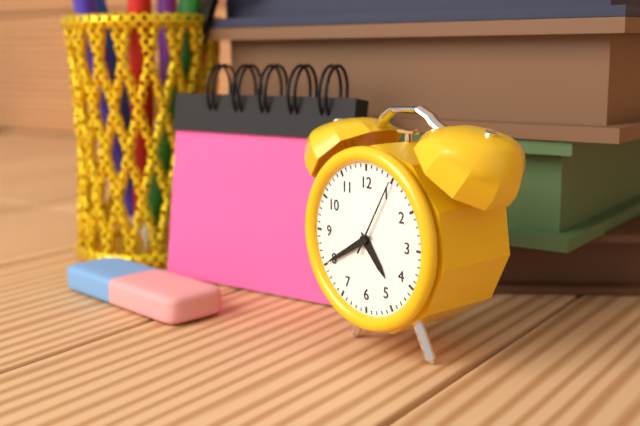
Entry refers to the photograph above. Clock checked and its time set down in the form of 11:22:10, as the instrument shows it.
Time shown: 4:40:05
